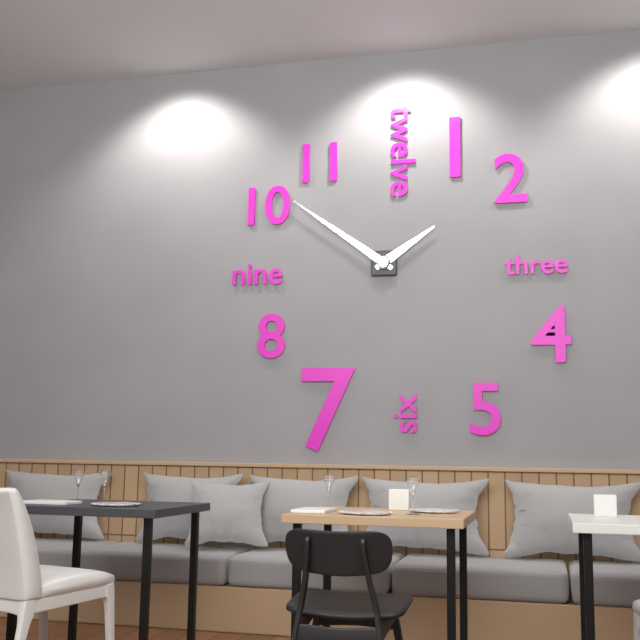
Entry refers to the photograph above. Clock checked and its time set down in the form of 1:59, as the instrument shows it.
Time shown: 1:51
